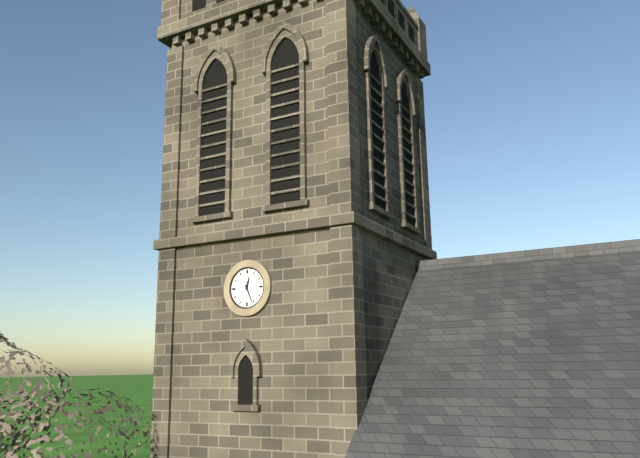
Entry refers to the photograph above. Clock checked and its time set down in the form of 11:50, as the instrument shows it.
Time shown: 12:26
